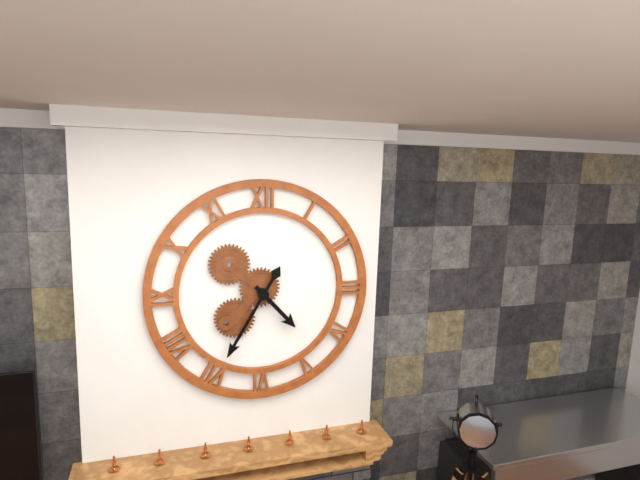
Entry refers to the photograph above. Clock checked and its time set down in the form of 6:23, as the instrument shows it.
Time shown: 4:35
